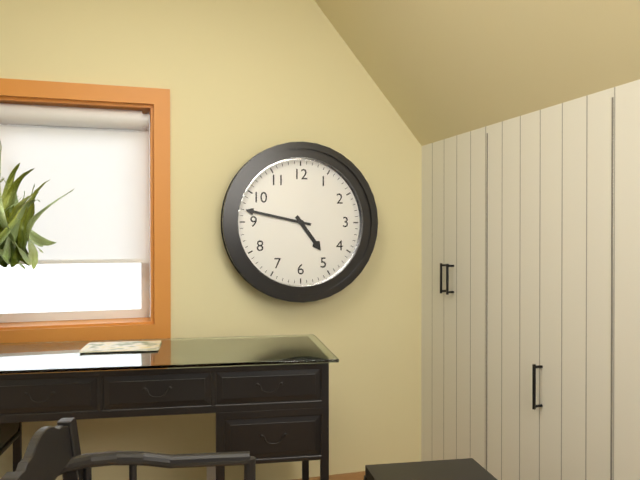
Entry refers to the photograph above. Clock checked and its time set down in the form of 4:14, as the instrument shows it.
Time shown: 4:47
